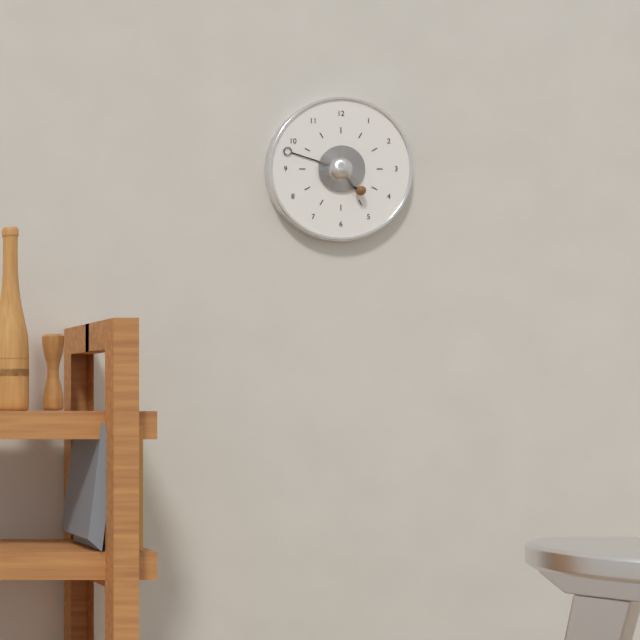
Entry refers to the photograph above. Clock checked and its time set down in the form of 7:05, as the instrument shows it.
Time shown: 4:48
